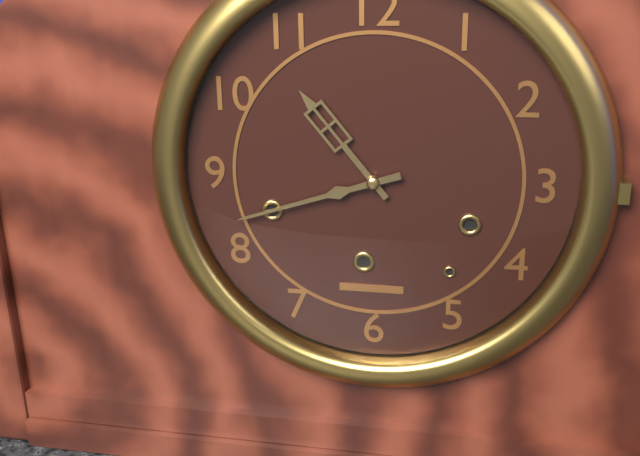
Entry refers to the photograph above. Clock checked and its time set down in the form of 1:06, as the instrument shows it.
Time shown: 10:42
